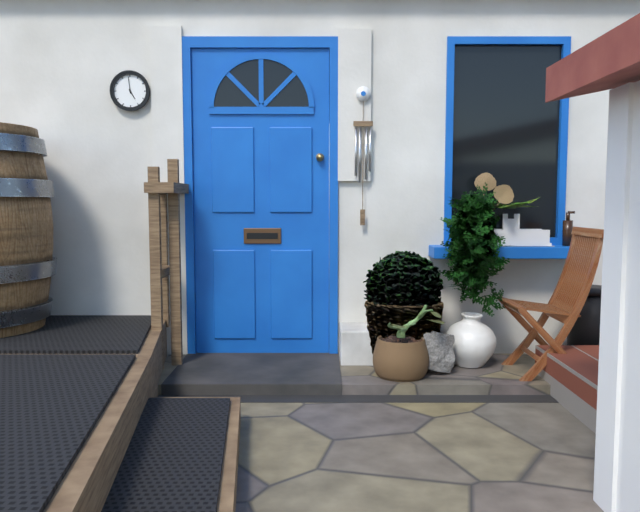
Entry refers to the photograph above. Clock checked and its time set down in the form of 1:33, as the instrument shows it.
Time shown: 4:59
